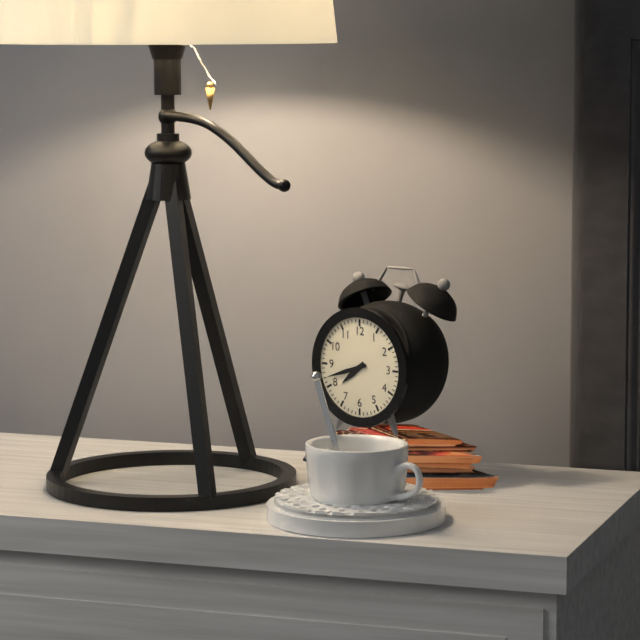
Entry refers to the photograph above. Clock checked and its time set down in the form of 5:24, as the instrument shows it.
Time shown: 7:42
